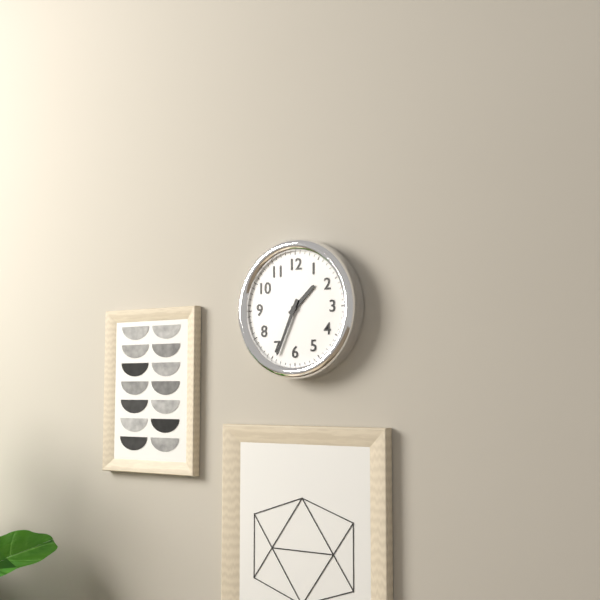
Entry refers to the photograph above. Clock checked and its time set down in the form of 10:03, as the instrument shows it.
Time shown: 1:34
